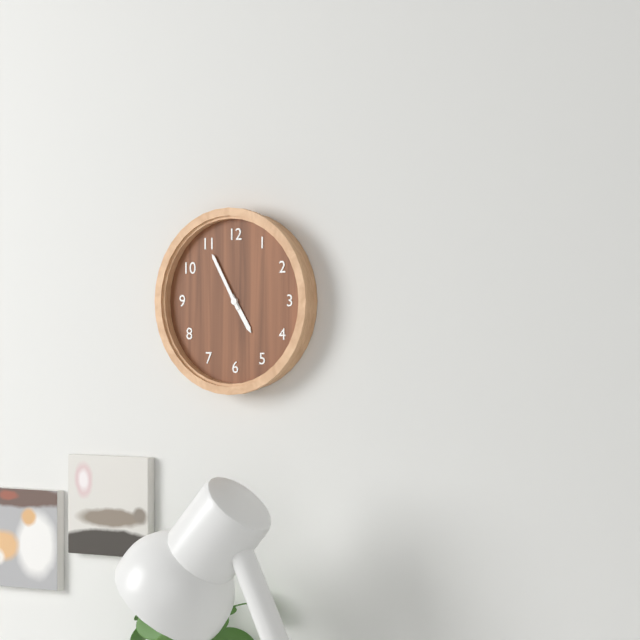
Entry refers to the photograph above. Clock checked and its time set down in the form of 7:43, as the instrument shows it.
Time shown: 4:55
